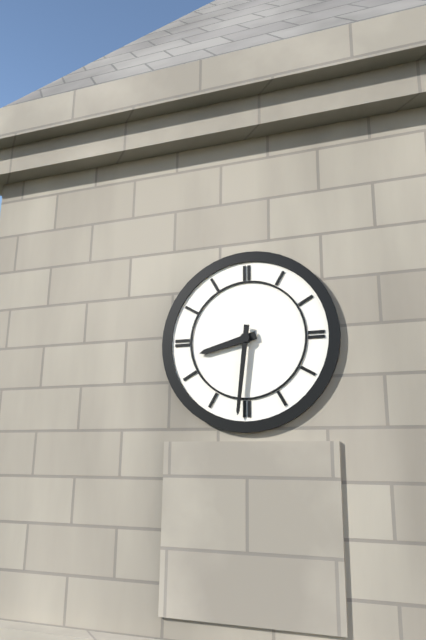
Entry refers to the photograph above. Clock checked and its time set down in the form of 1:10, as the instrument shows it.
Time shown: 8:31
